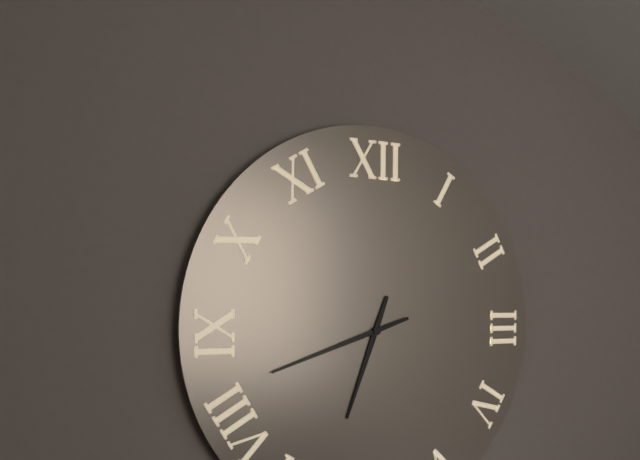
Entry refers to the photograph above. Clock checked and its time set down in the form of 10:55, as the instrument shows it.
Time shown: 6:42
